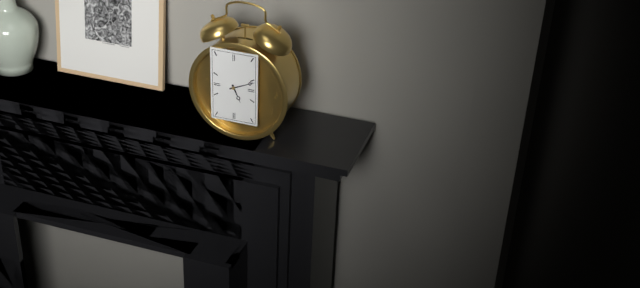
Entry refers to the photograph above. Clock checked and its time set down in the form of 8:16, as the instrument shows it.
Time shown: 5:11
